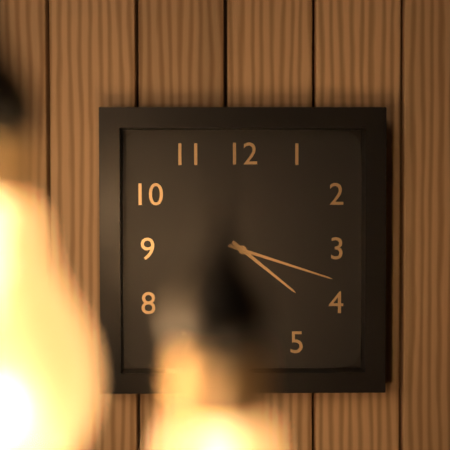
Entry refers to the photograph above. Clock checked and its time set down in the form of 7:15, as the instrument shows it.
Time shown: 4:18
